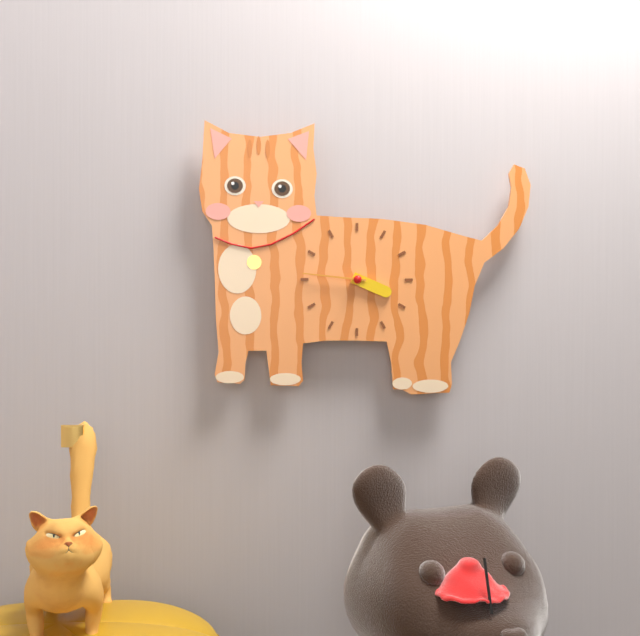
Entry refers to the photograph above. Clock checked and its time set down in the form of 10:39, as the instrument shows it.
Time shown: 3:46
